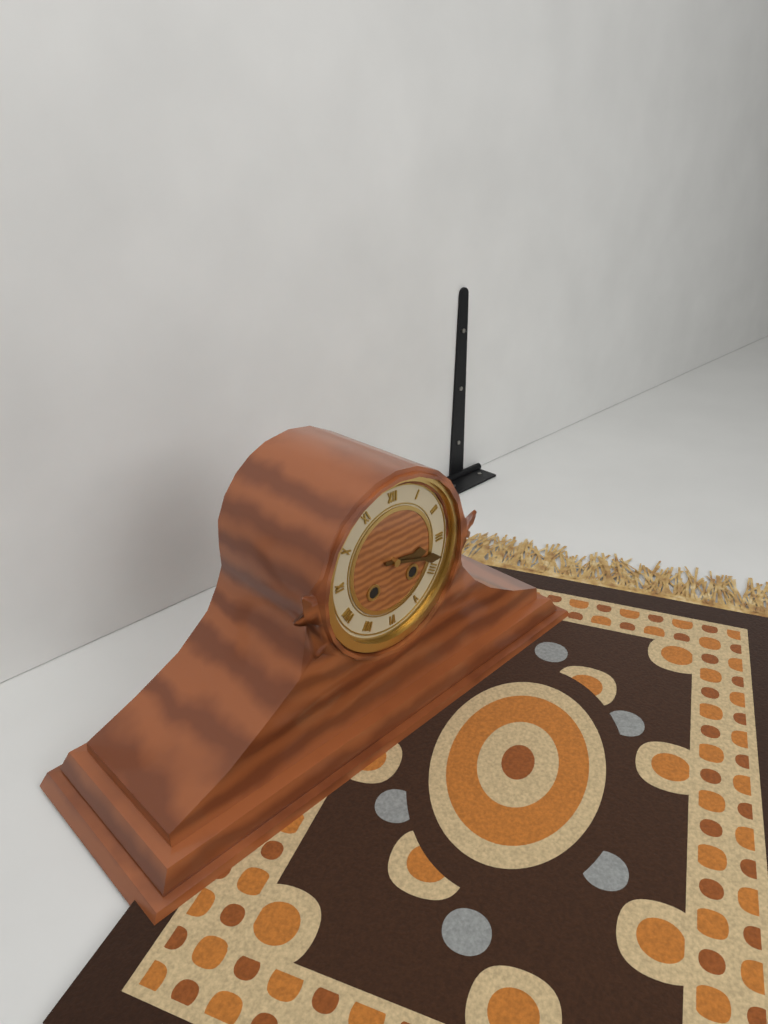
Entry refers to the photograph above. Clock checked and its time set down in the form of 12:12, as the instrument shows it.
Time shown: 3:18
